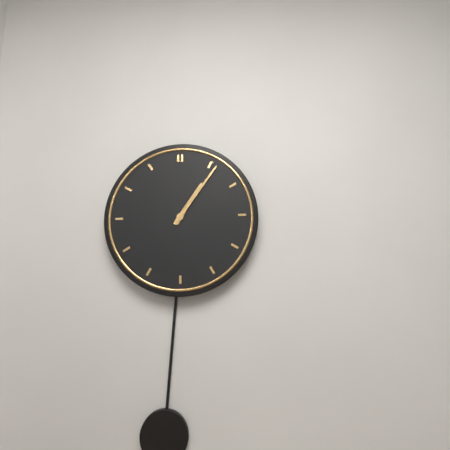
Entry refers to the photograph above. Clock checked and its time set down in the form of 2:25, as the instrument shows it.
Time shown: 1:06
